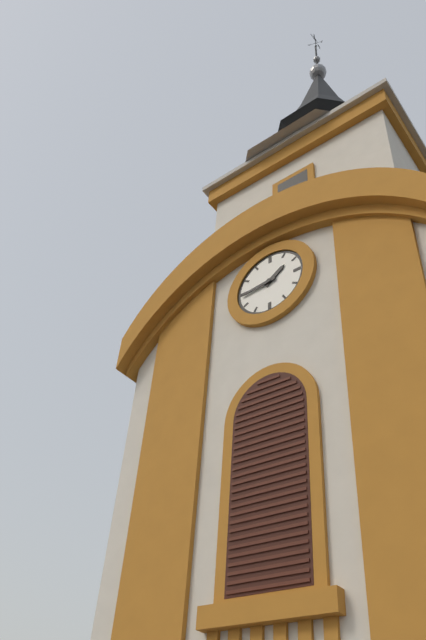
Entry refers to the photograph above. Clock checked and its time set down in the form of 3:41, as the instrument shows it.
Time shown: 1:44
